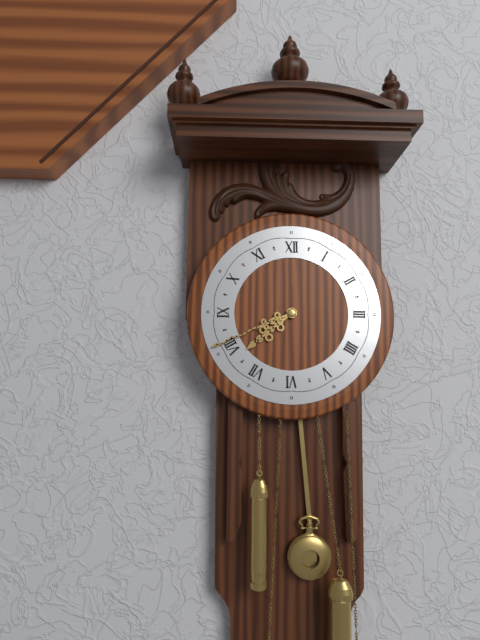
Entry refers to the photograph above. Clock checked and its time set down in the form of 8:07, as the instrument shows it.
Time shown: 7:41
